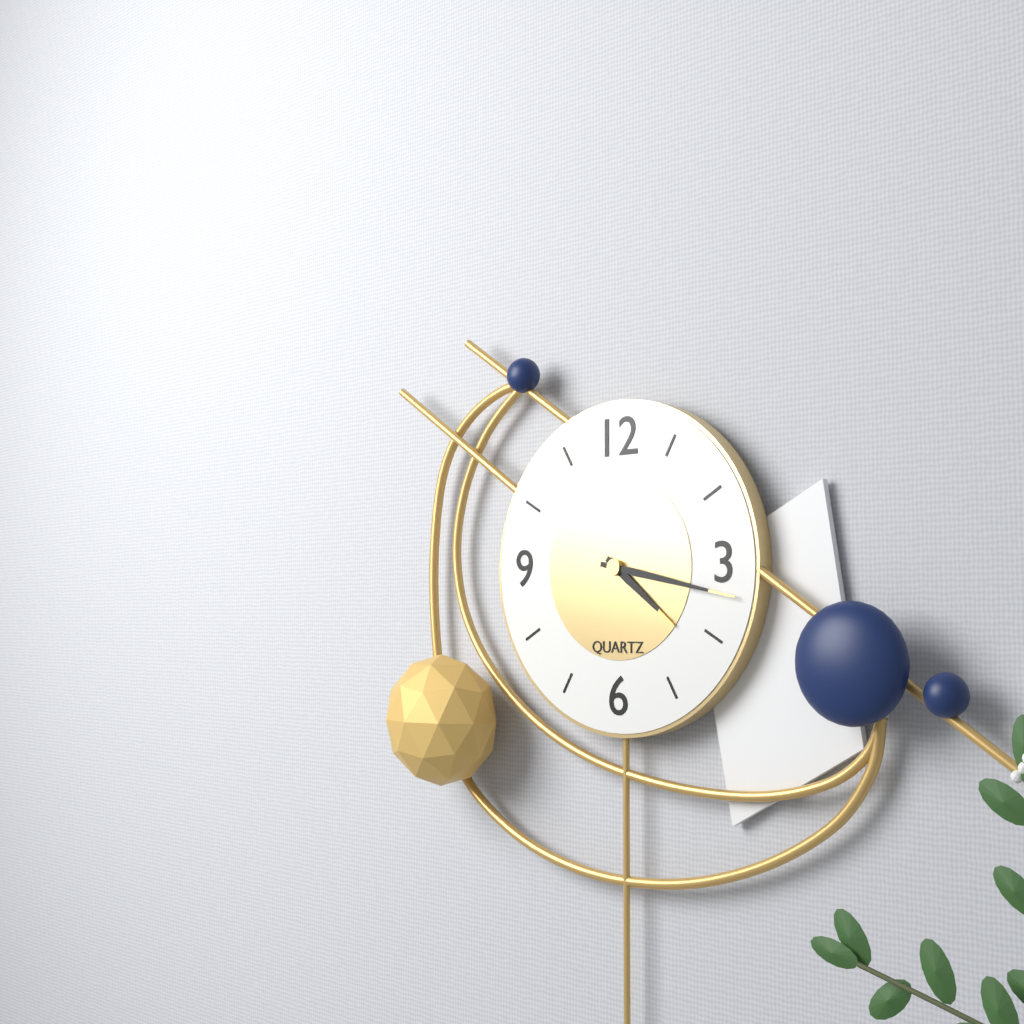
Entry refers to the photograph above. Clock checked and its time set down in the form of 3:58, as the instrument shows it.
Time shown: 4:17
